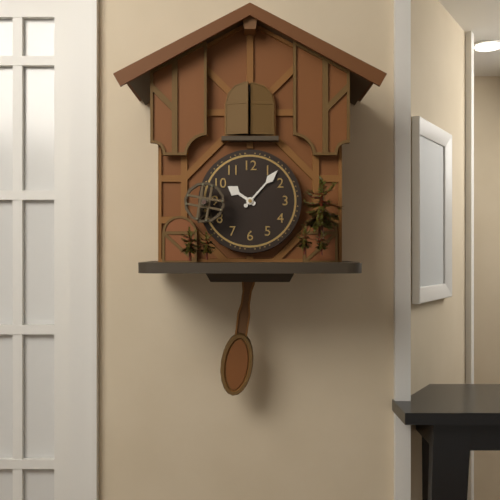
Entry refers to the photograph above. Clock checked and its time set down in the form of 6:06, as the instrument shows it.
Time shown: 10:07
